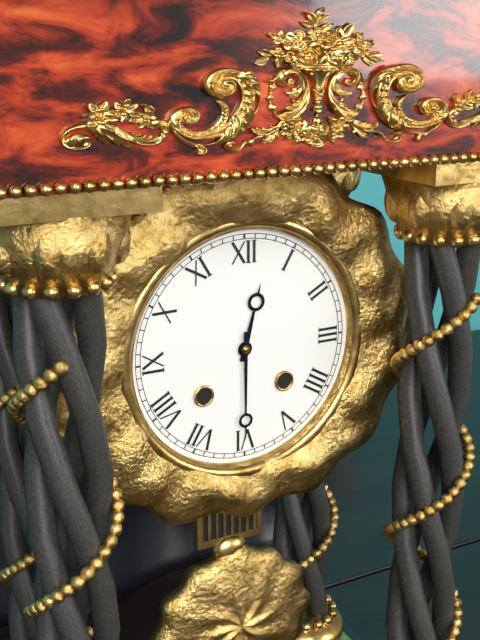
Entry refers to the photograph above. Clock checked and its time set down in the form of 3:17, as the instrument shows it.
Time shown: 12:30
